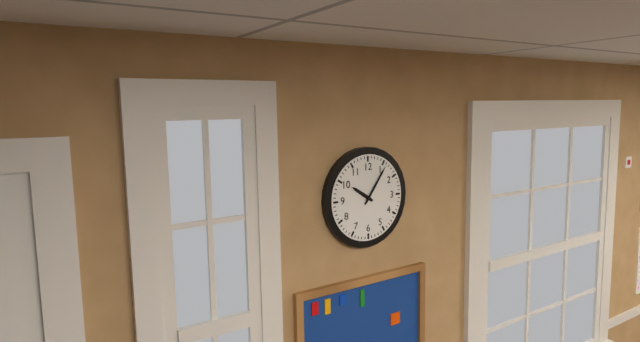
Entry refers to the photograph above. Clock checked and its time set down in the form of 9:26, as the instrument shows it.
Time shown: 10:06
